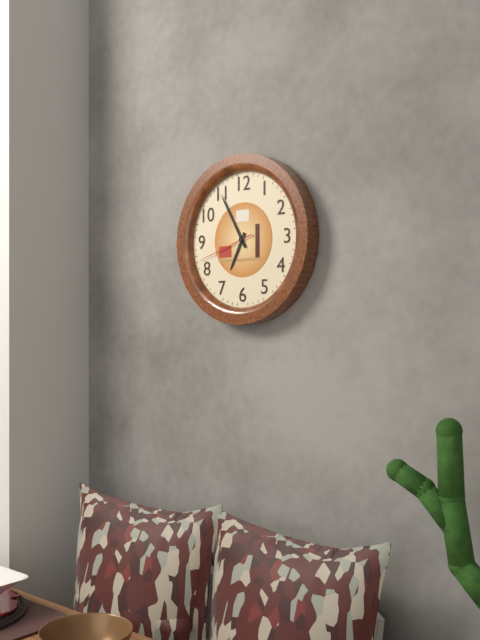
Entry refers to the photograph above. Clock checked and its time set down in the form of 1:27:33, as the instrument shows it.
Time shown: 6:55:42
